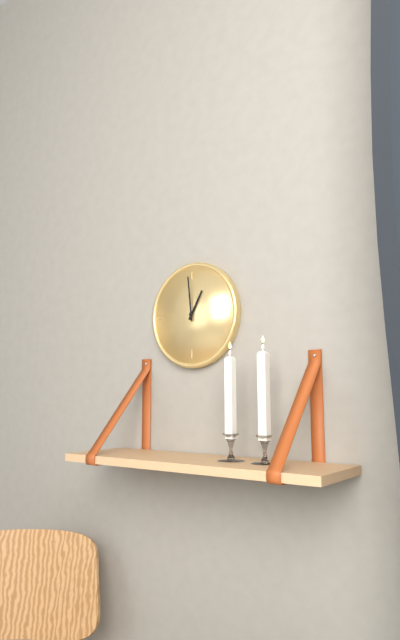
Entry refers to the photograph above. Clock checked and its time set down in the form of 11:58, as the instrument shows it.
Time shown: 12:59
